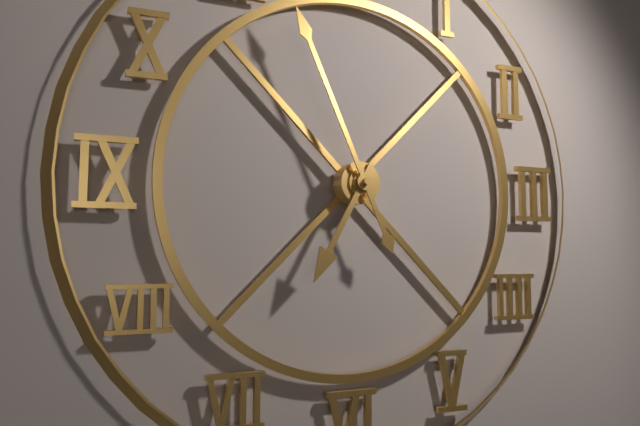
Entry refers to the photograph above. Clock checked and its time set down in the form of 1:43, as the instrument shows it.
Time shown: 6:56
